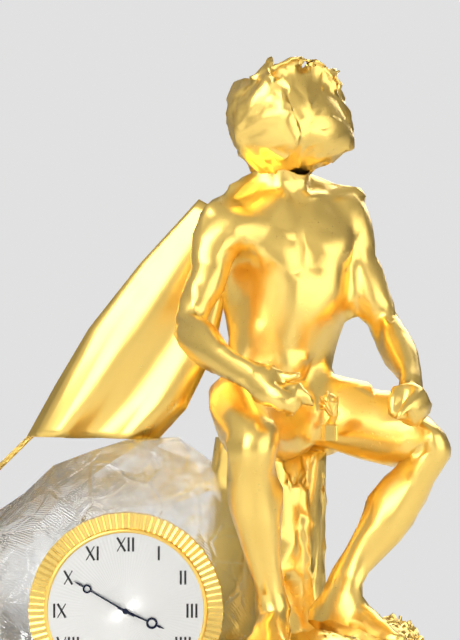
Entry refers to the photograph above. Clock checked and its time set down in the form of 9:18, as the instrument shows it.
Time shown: 3:50
